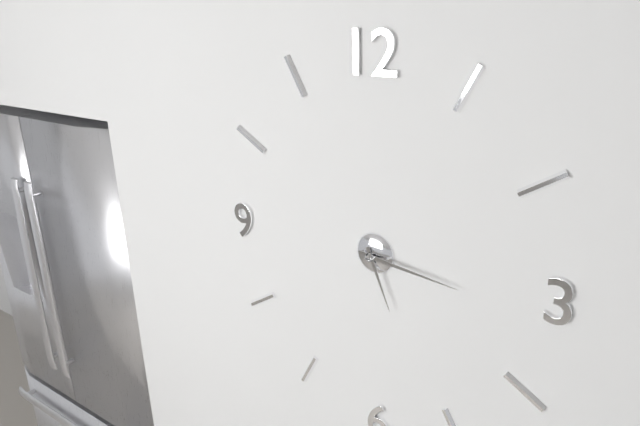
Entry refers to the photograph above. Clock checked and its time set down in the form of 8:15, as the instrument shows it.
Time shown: 5:16
